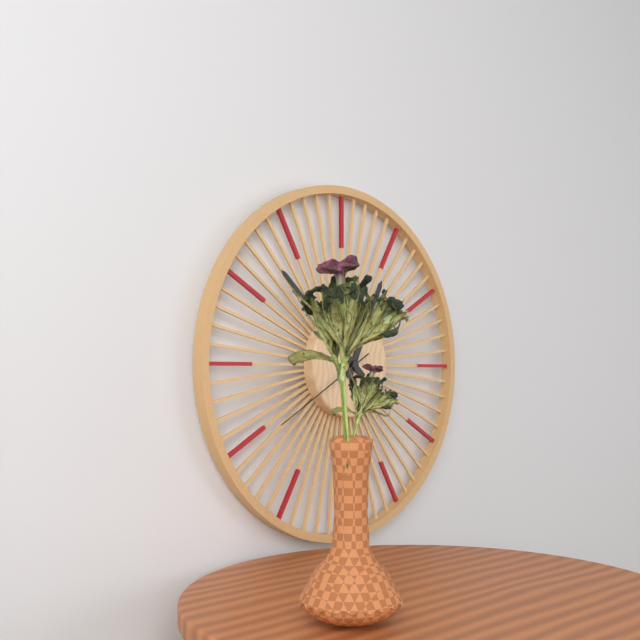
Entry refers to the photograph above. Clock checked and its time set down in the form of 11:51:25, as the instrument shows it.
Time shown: 12:52:40
